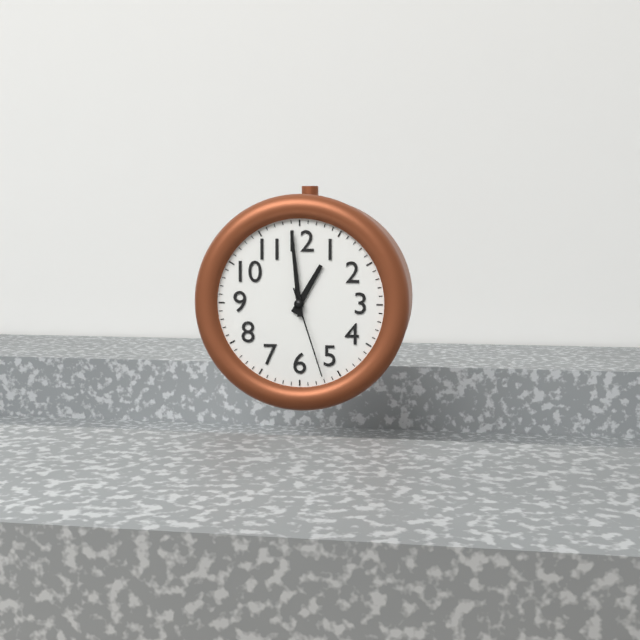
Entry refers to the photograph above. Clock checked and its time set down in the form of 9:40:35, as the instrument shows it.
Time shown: 12:59:27
